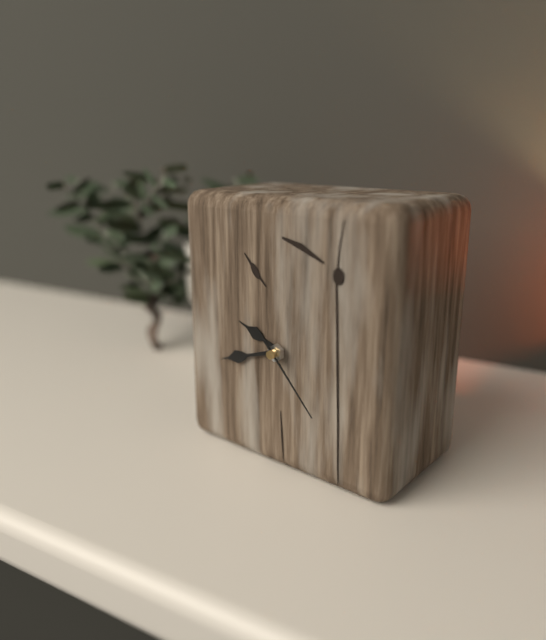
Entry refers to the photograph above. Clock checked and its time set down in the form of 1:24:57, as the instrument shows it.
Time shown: 9:42:23
